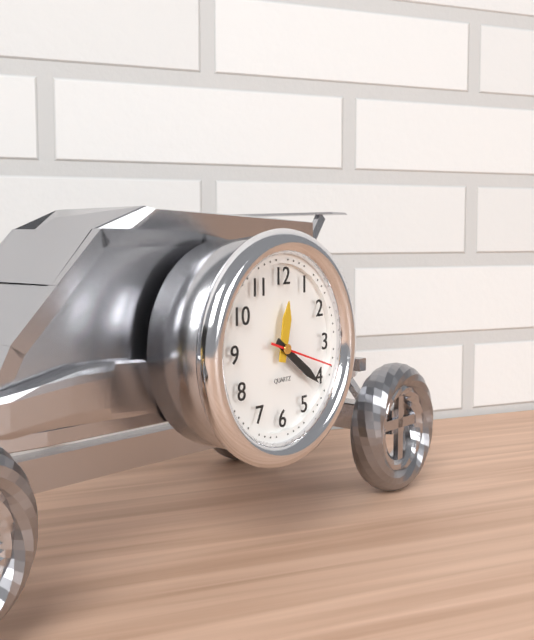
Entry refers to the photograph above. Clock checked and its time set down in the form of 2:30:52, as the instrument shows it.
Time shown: 12:21:18
